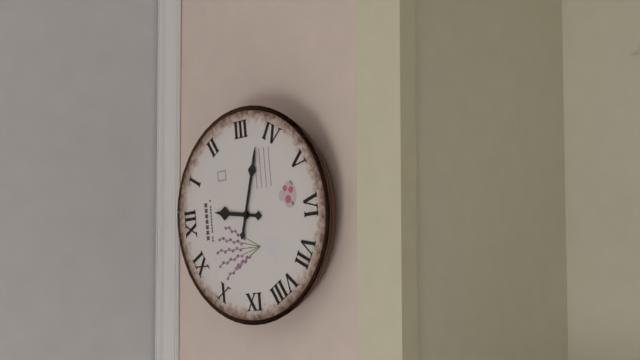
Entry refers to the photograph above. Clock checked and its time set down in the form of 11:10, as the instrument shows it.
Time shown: 12:18
